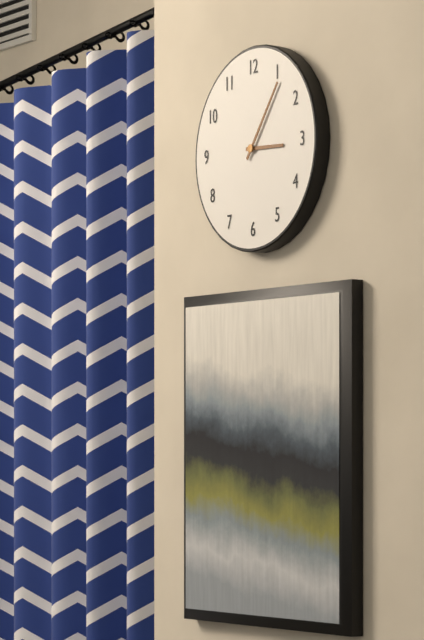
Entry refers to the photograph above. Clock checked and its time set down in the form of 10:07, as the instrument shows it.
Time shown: 3:06
